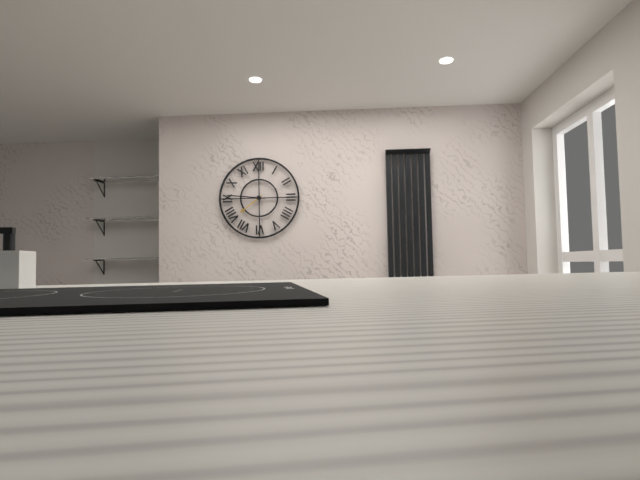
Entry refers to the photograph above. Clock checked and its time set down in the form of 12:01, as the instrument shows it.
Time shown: 7:46
